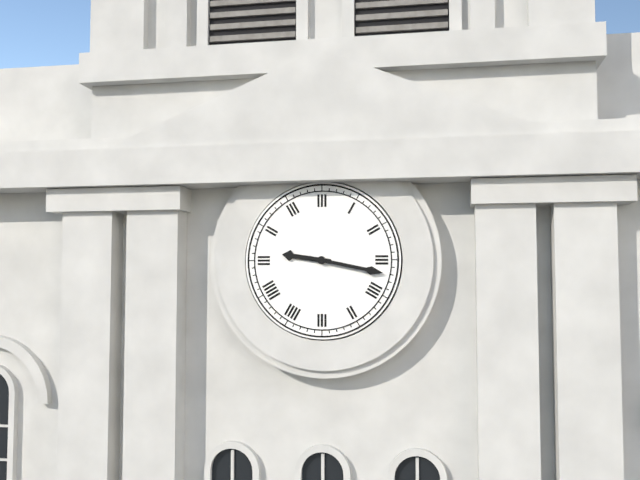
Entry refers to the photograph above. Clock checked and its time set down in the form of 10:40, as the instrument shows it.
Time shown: 9:17
